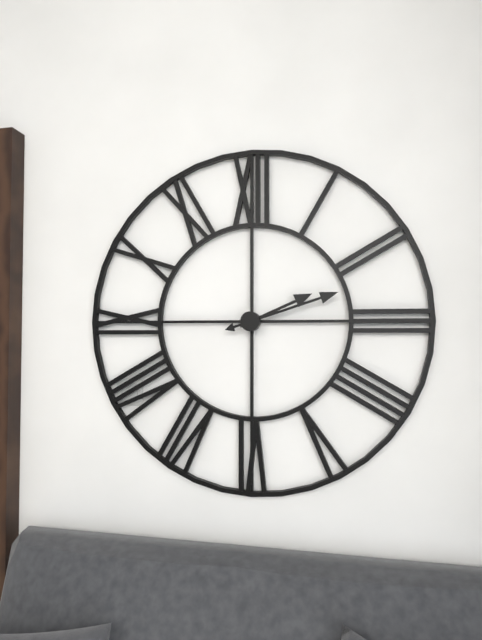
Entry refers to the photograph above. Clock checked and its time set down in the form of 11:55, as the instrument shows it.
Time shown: 2:12
